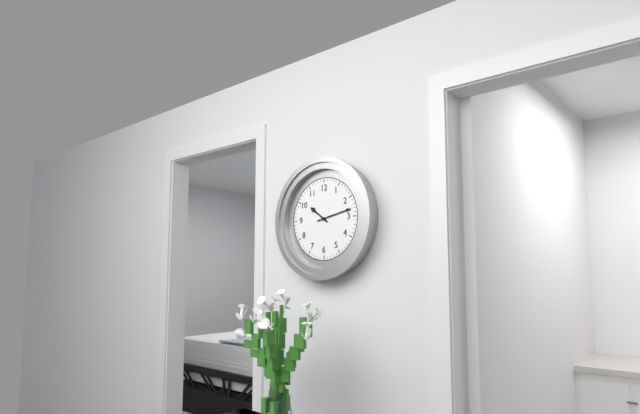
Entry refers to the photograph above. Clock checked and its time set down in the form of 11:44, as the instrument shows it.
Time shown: 10:13
